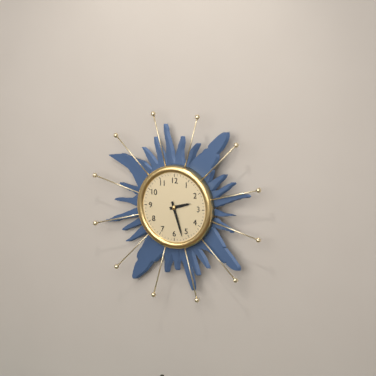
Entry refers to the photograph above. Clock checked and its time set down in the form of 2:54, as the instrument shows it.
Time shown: 2:27
